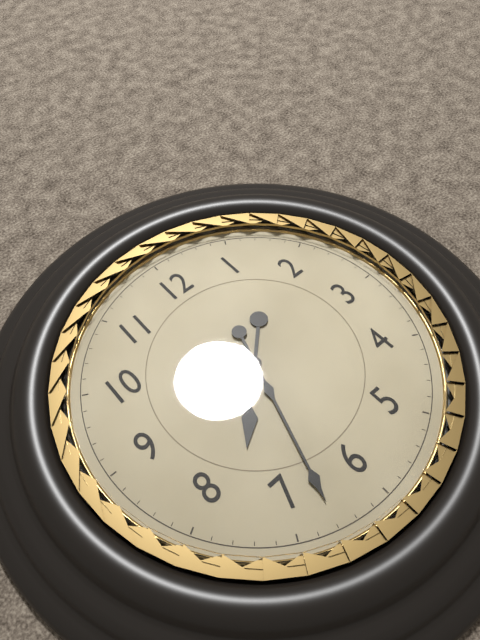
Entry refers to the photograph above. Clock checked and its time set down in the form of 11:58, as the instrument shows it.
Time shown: 7:33
